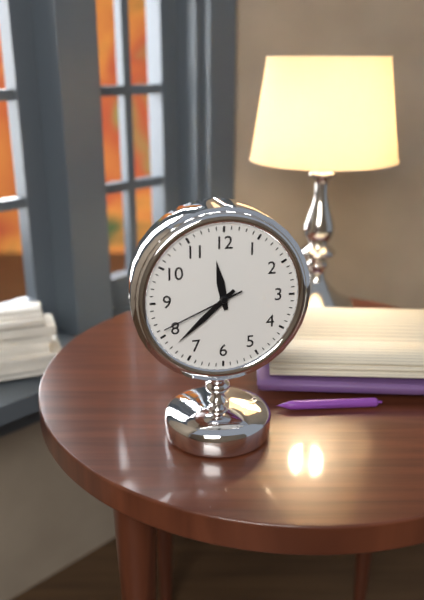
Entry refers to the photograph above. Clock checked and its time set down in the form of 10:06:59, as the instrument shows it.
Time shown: 11:38:41
